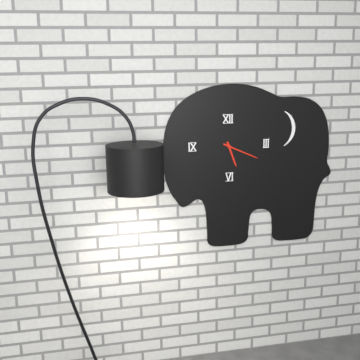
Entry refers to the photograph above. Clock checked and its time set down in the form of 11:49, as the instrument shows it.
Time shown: 5:19
